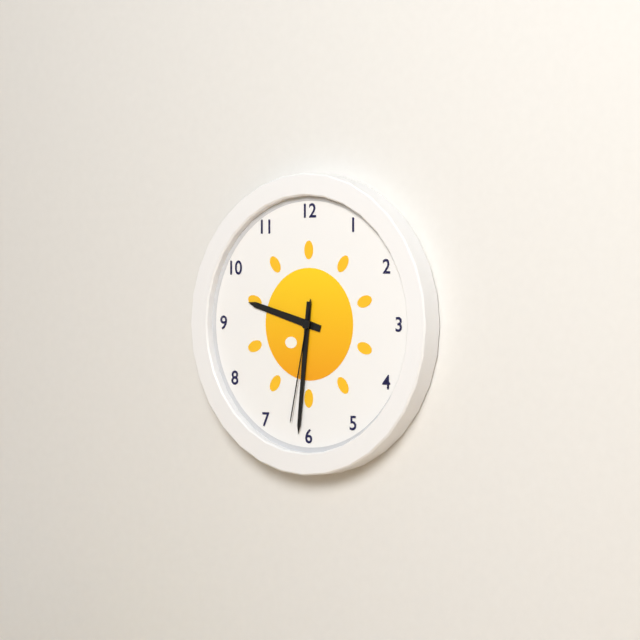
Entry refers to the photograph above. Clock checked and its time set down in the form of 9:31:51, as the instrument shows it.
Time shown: 9:31:32
